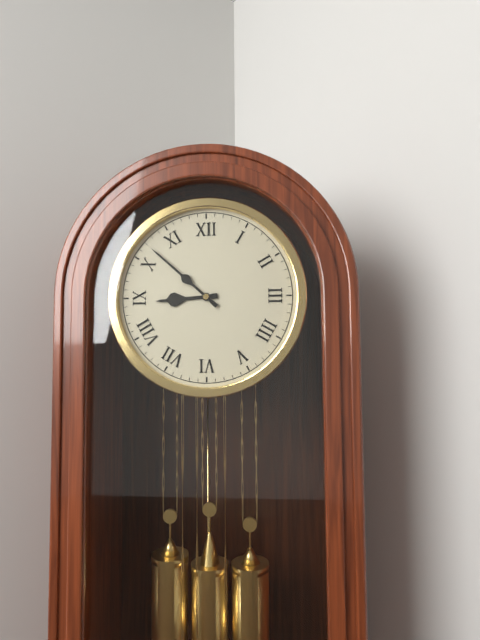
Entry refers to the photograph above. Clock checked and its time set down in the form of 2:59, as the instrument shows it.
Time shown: 8:52
